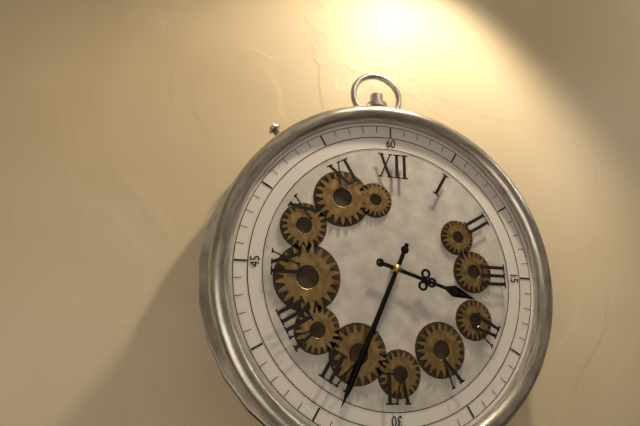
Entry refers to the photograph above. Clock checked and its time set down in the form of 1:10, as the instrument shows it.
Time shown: 3:34
